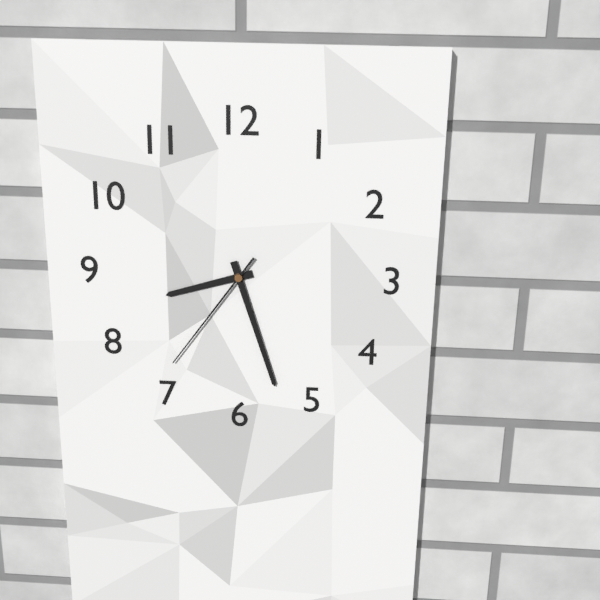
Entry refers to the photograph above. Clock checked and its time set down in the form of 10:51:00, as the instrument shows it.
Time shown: 8:27:36
